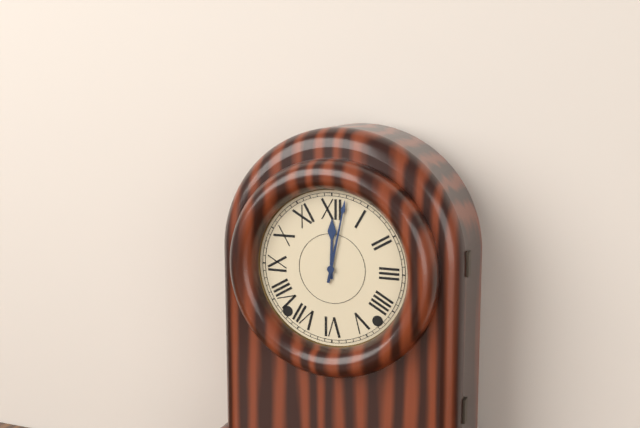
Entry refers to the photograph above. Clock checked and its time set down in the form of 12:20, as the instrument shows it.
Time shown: 12:02
